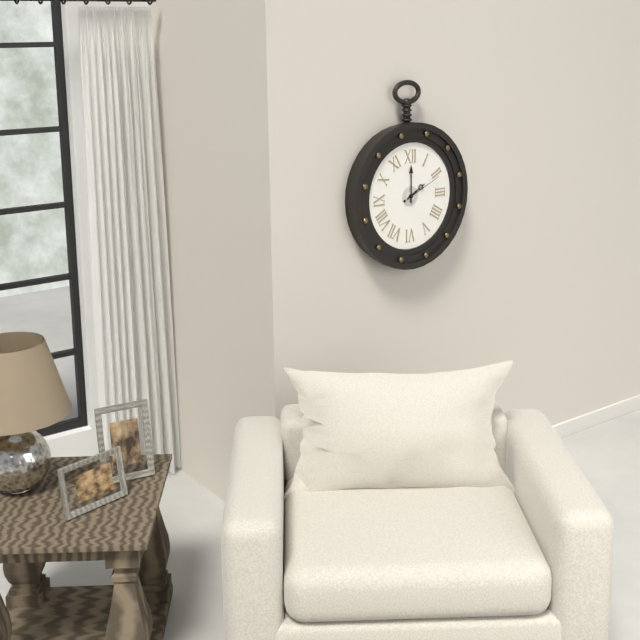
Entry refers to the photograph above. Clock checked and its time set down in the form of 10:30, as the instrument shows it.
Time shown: 2:00
